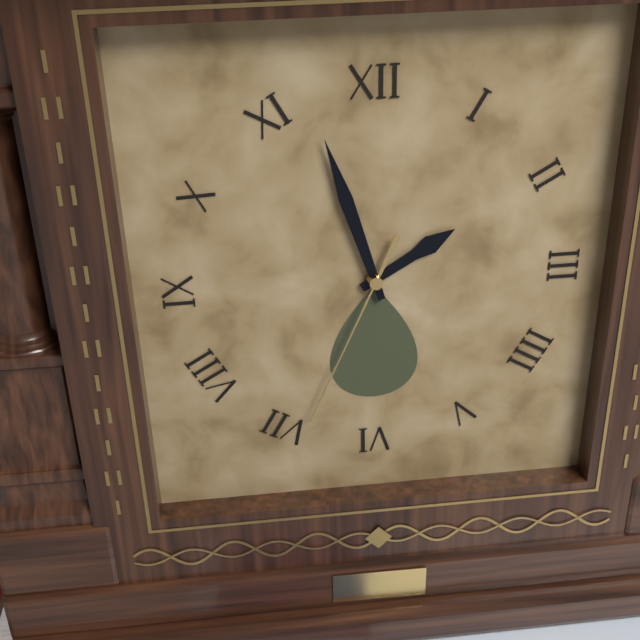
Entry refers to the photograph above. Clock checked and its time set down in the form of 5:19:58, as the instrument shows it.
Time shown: 1:57:34
